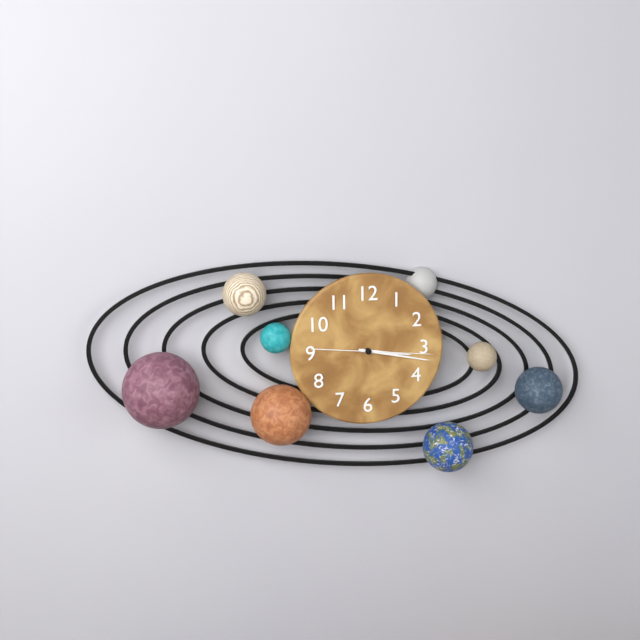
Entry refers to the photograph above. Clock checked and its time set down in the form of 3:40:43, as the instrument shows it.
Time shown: 3:17:16
